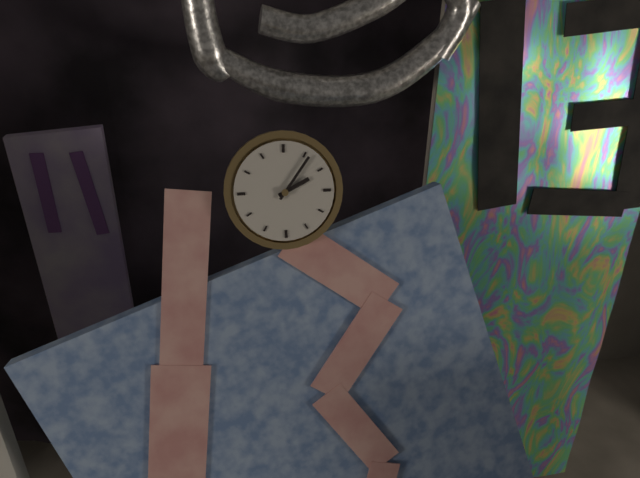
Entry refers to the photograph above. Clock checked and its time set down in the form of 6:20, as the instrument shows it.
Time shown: 2:06
